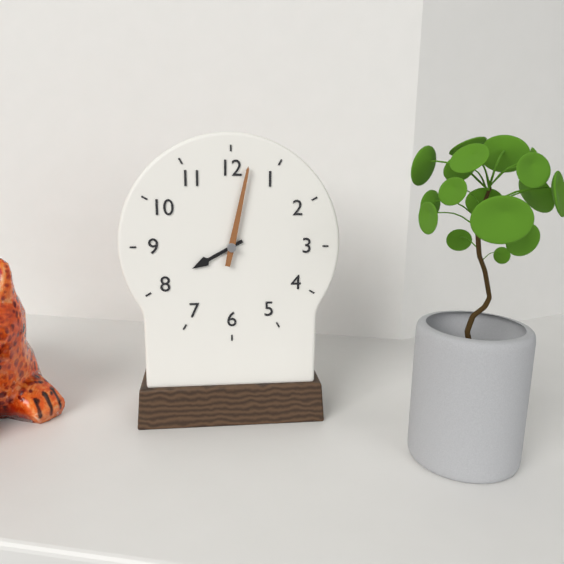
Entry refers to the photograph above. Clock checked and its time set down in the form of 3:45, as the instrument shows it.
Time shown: 8:02
